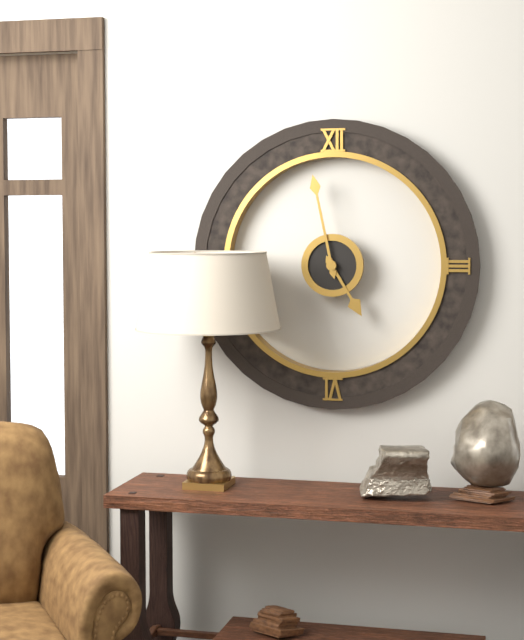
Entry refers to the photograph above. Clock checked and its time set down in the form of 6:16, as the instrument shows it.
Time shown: 4:58
